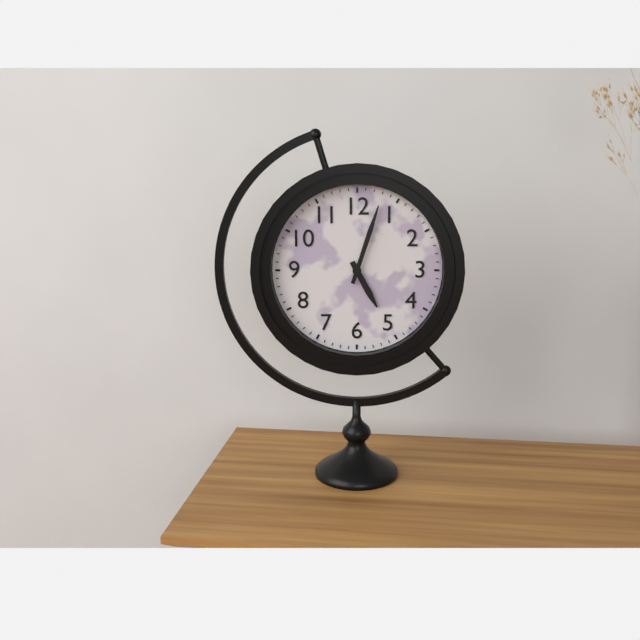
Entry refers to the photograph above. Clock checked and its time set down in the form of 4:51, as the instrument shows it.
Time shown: 5:03
